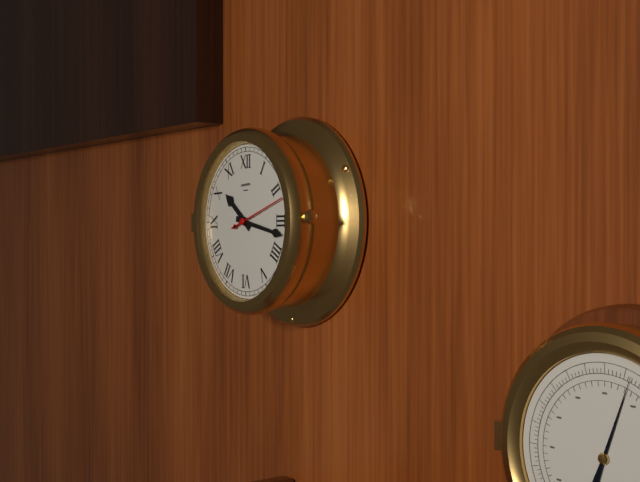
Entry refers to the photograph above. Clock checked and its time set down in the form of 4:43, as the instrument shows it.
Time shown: 10:17
